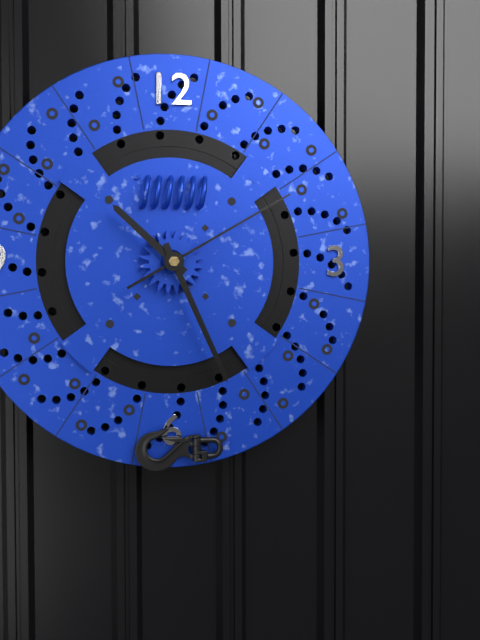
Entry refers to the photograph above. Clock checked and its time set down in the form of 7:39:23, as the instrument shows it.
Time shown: 10:26:10
